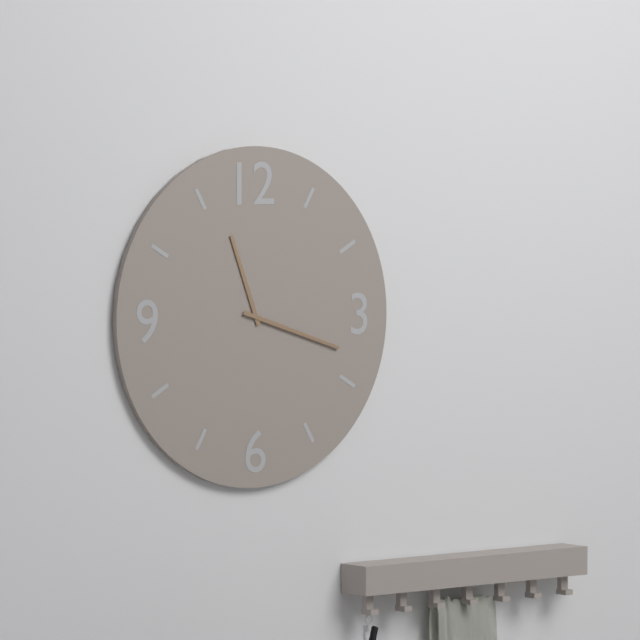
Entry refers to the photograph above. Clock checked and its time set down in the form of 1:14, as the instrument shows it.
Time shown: 11:18
